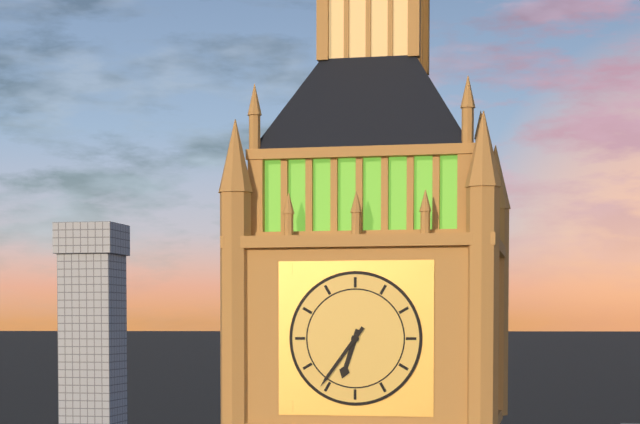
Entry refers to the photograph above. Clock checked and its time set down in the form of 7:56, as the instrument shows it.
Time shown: 6:36
